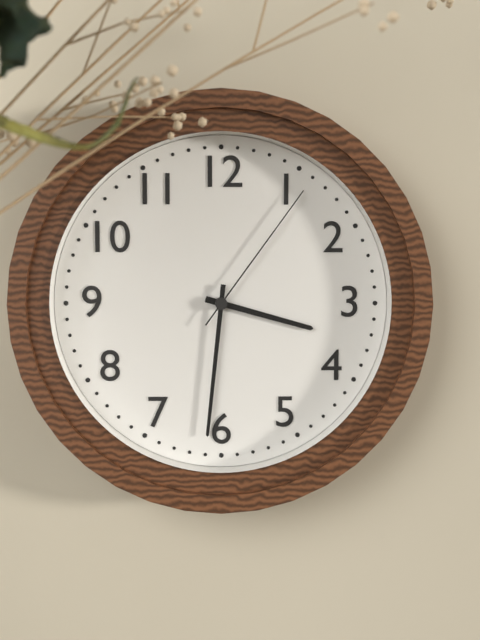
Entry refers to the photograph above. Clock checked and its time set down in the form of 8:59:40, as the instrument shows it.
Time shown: 3:31:06
